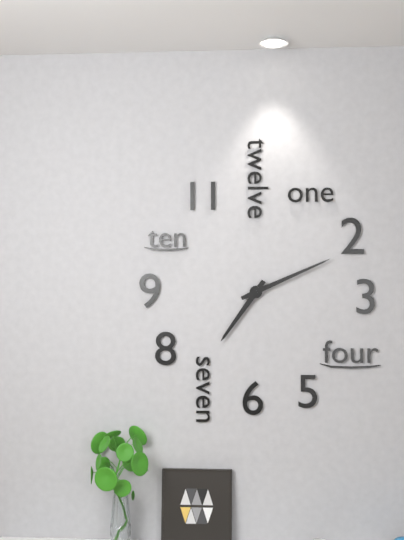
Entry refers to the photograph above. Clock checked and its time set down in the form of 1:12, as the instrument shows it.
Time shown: 7:11
